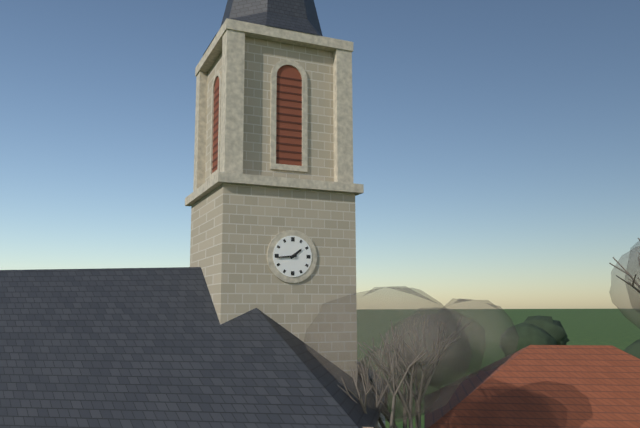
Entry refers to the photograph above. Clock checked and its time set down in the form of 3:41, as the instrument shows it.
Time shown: 1:44
